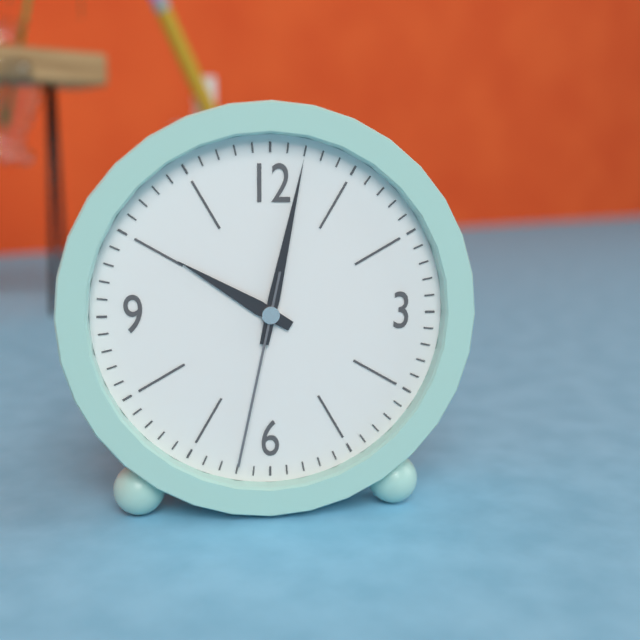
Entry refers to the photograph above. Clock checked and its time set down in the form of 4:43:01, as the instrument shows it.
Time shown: 10:02:32
